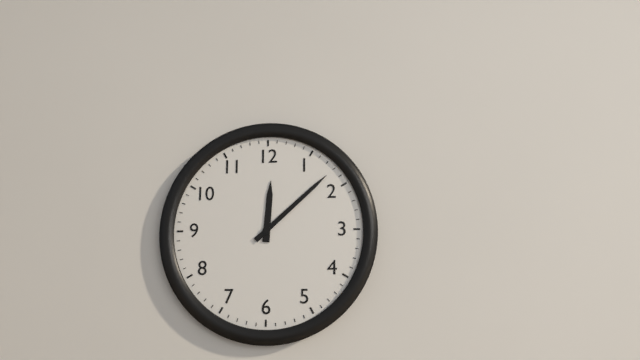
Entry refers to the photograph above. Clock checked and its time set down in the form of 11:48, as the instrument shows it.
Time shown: 12:08
